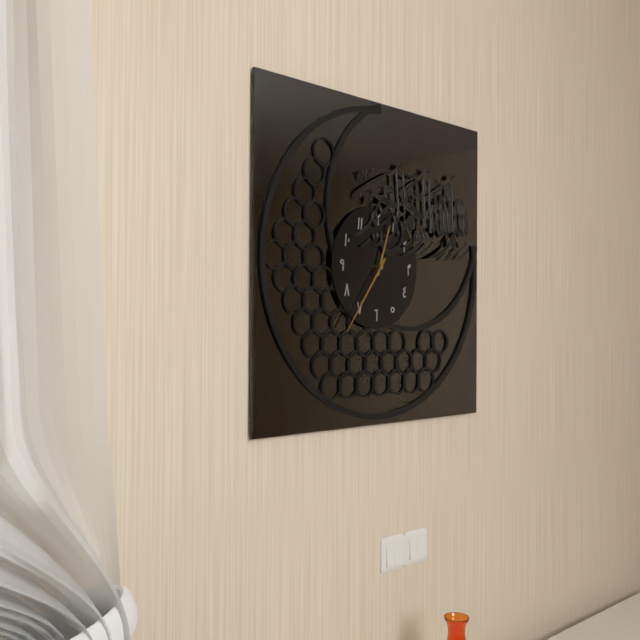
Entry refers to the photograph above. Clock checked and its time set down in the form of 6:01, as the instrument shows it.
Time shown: 12:36
